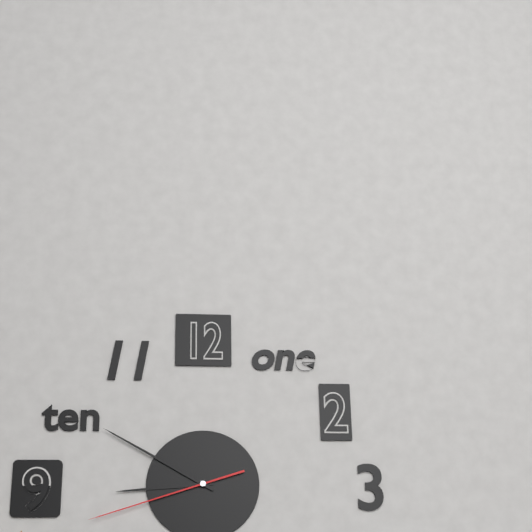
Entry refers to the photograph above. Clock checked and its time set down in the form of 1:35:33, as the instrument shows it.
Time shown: 8:50:42
